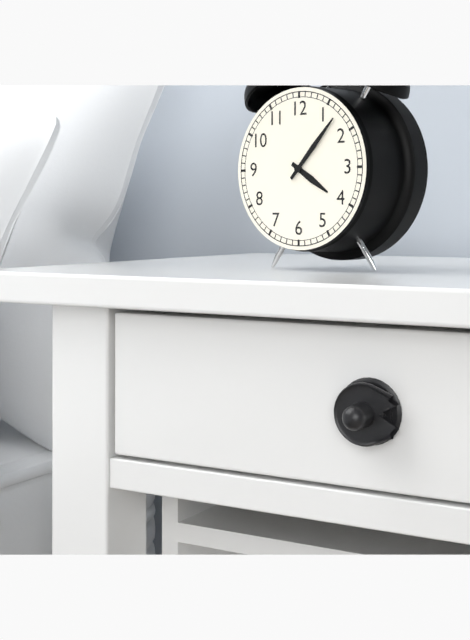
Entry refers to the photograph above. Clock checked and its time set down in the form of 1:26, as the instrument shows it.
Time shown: 4:07
